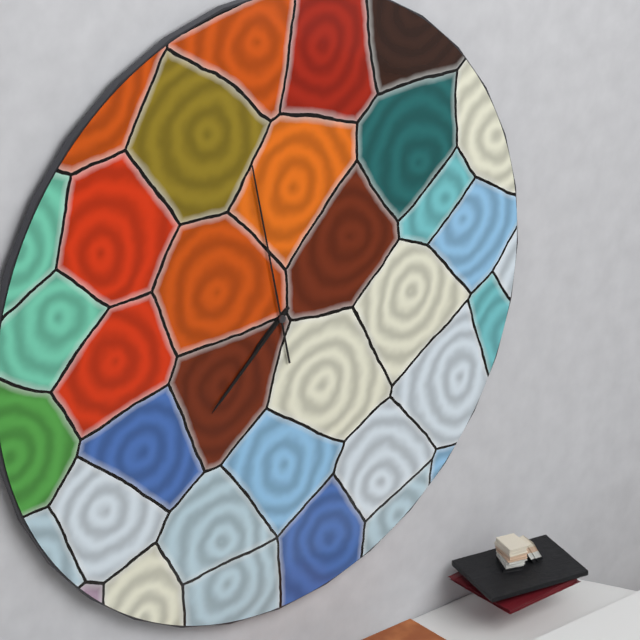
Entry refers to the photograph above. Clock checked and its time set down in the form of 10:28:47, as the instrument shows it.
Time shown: 7:38:58
